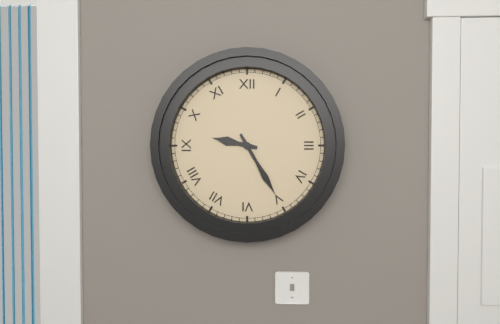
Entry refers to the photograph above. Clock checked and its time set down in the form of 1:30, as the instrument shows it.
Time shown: 9:25
